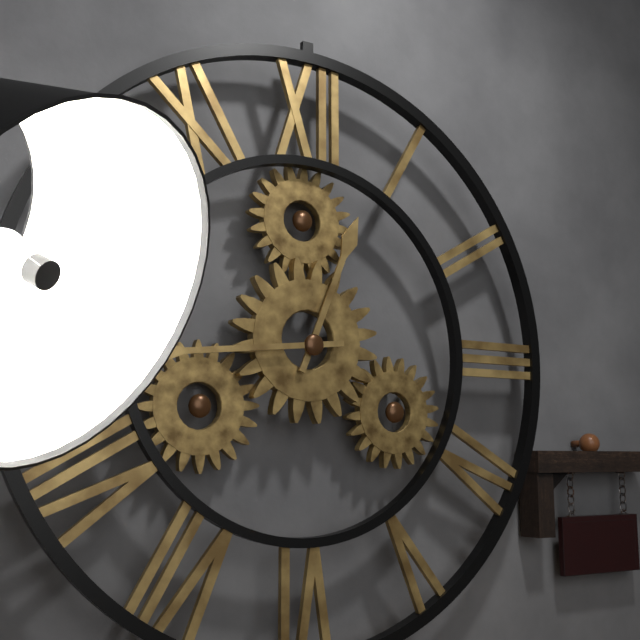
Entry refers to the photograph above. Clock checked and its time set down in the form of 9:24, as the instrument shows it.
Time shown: 12:44
